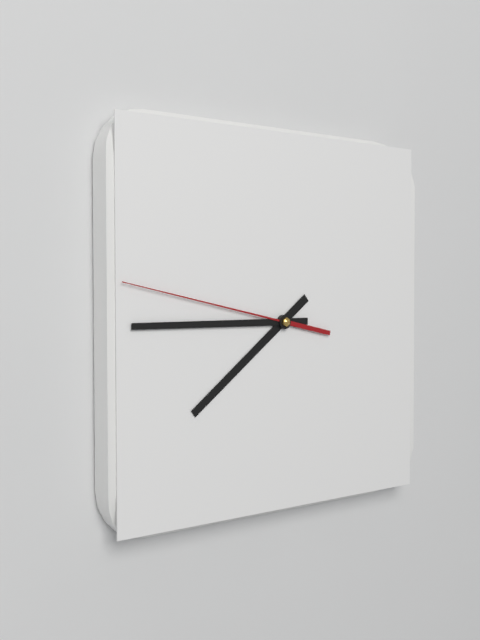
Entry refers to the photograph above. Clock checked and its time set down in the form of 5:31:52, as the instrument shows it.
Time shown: 7:45:47
